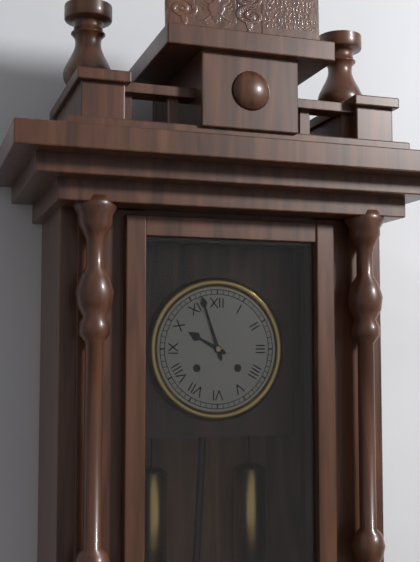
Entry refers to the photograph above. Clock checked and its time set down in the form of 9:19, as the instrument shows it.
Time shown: 9:57
